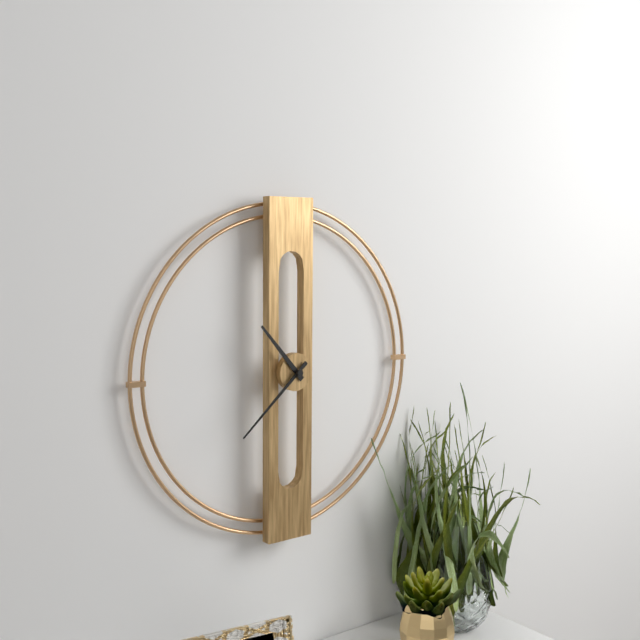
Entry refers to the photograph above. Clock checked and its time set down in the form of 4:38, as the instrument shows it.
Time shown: 10:38
